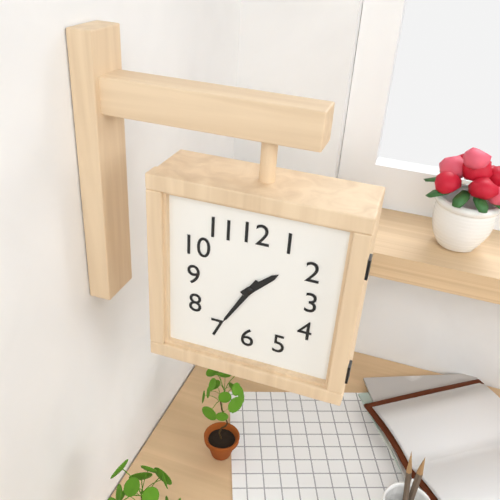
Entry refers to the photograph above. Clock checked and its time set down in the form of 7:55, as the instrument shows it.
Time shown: 1:35
